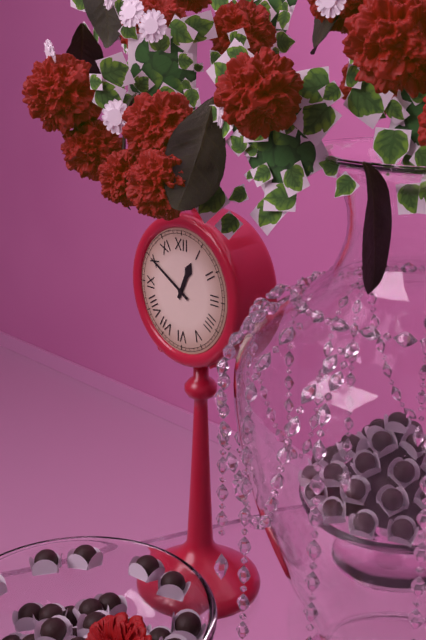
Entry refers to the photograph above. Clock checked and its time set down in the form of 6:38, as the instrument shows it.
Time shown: 12:50
